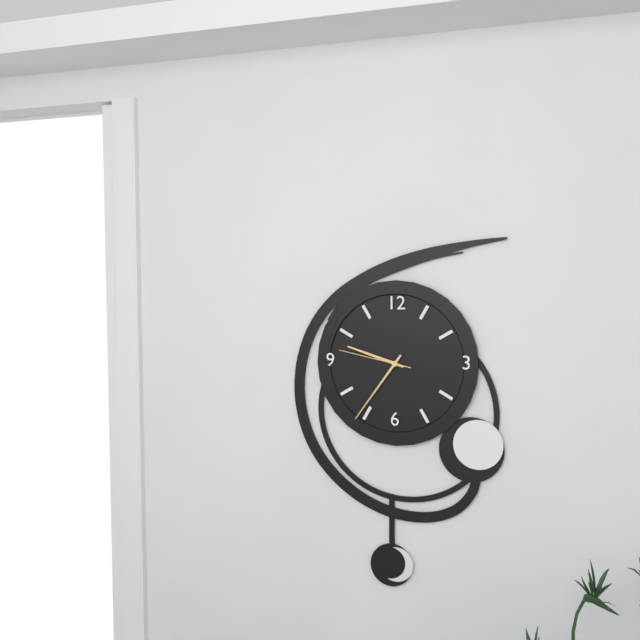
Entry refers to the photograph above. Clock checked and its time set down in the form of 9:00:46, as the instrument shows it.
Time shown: 9:36:47
